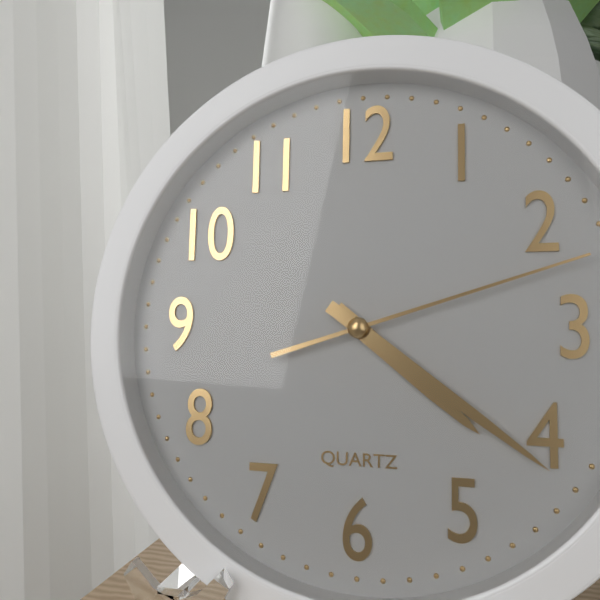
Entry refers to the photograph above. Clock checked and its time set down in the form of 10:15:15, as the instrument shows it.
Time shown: 4:21:12
